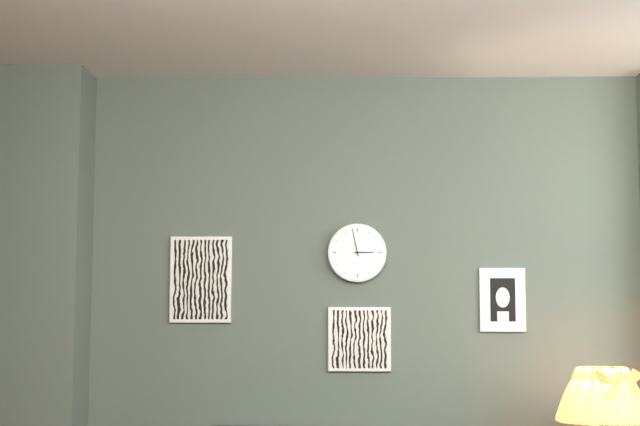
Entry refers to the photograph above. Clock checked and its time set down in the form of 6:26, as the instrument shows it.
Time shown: 2:58
